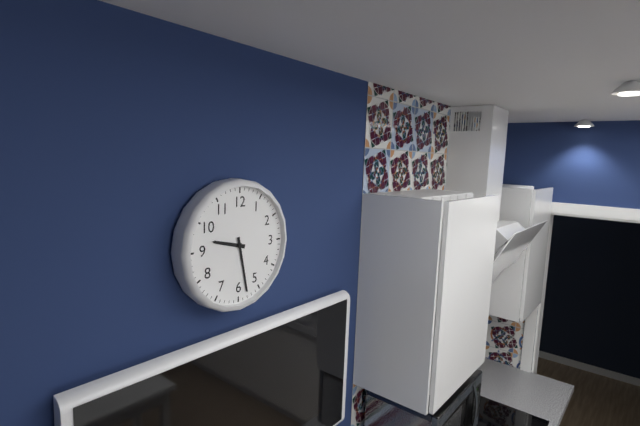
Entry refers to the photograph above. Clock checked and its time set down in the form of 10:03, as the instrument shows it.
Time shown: 9:28
